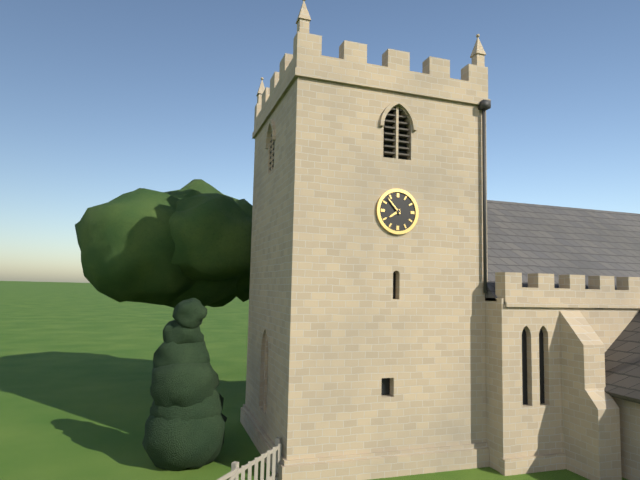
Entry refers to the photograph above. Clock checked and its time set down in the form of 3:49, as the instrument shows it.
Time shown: 7:53
